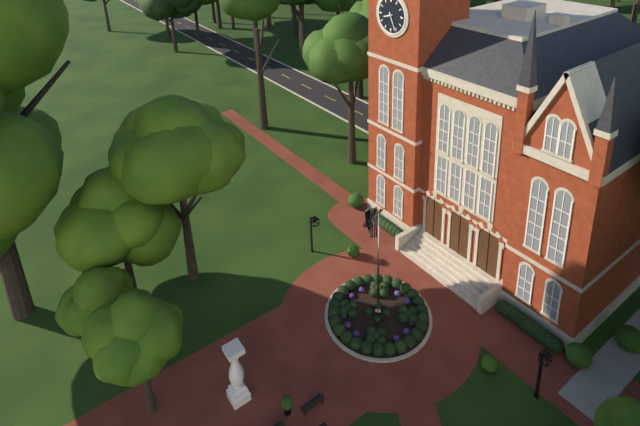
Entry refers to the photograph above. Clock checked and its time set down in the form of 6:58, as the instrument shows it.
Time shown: 8:26
